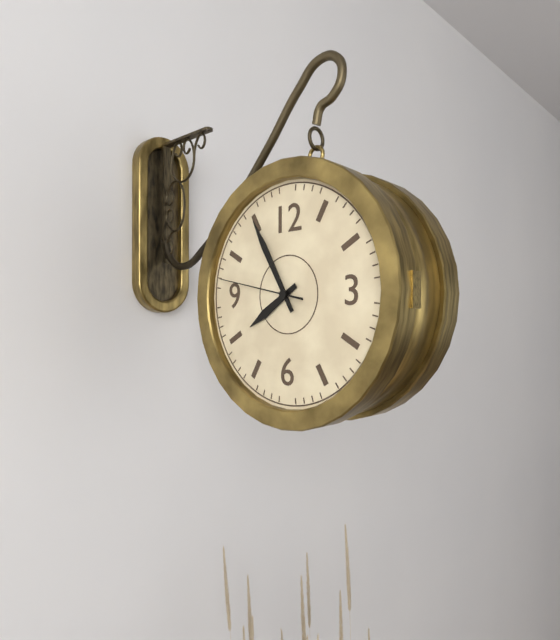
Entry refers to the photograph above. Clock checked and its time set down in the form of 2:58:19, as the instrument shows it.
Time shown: 7:55:47
